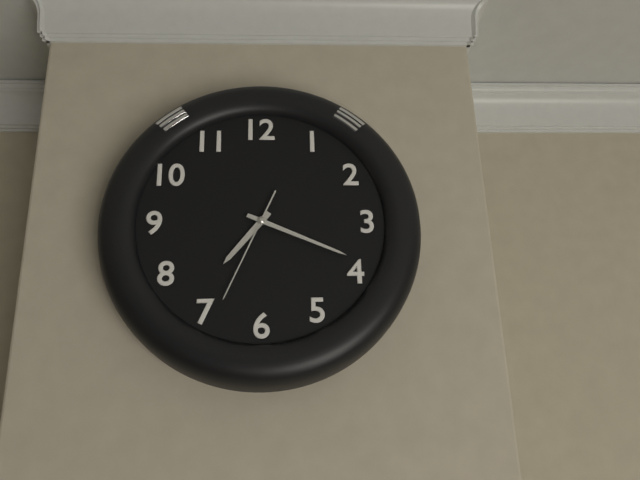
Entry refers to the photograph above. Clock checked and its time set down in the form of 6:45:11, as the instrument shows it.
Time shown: 7:19:34
